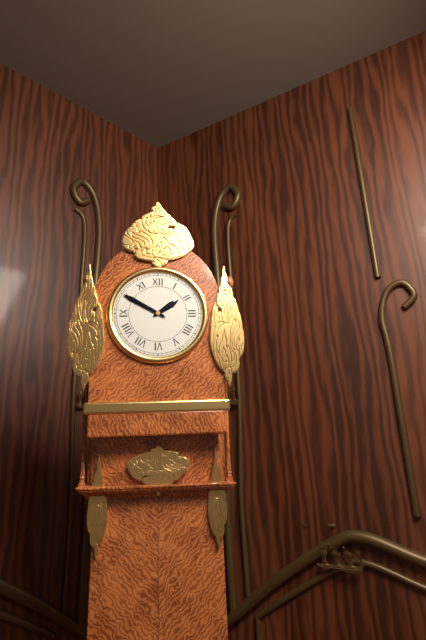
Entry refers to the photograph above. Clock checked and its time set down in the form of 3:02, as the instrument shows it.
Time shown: 1:50
